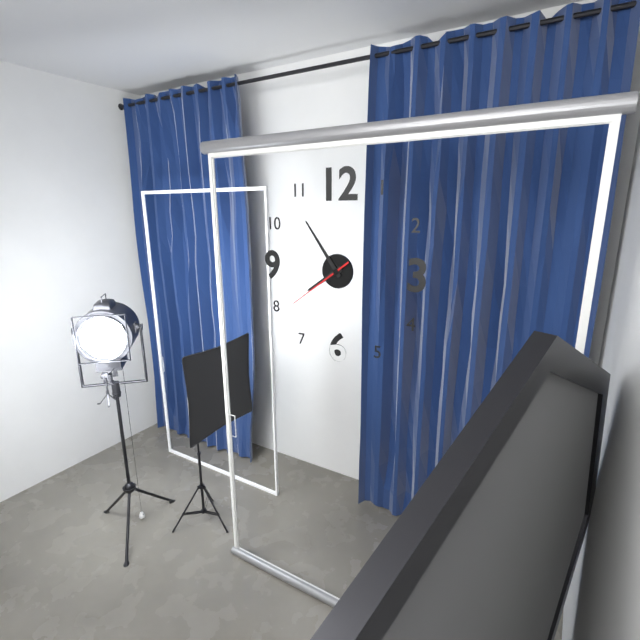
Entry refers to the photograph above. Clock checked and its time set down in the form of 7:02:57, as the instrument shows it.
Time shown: 7:54:39
